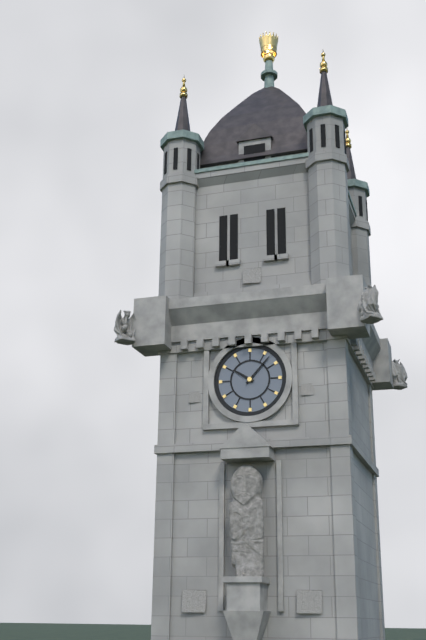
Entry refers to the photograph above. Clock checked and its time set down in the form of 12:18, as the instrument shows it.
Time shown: 10:07
